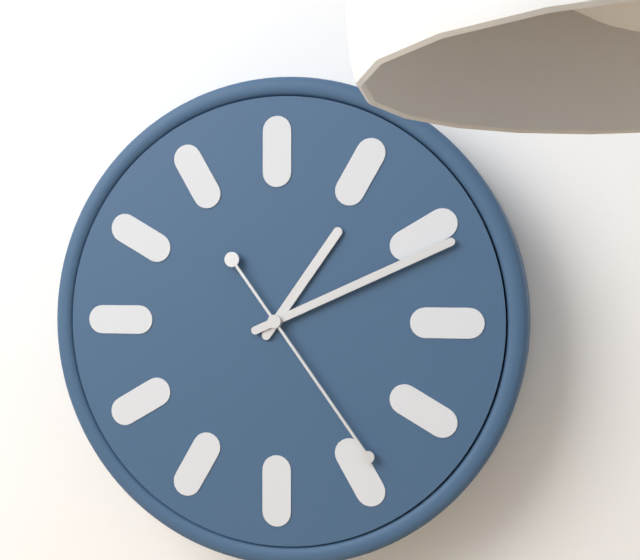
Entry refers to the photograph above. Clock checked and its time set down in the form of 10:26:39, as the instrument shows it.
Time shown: 1:11:24
